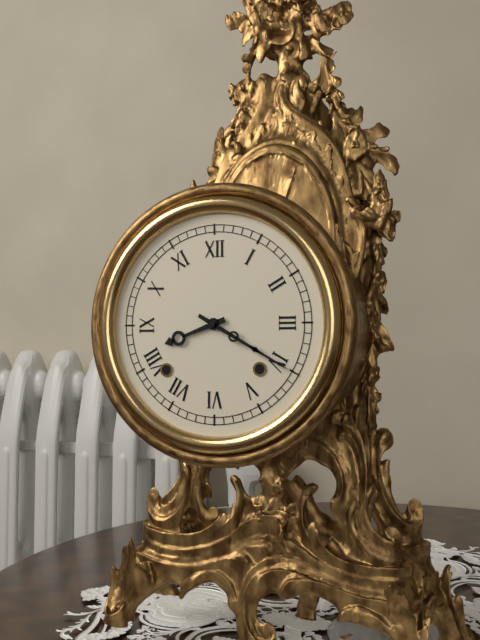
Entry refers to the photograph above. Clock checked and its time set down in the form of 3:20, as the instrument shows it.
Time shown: 8:20
